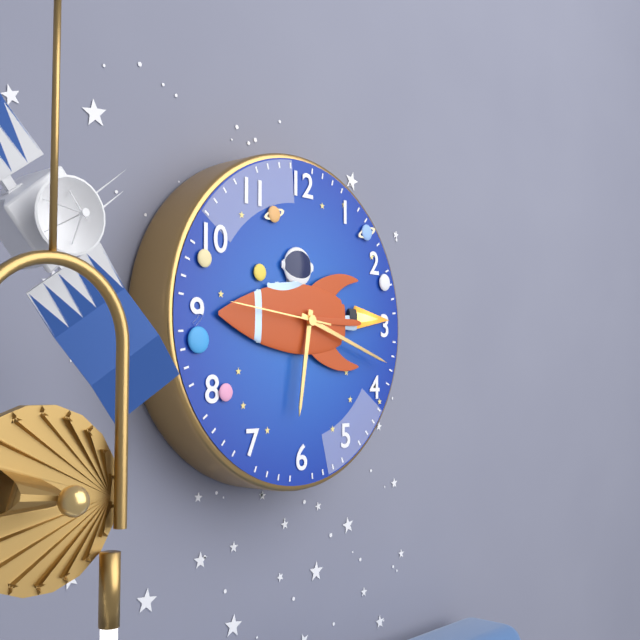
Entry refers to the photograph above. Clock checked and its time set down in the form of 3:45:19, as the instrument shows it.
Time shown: 6:18:46
